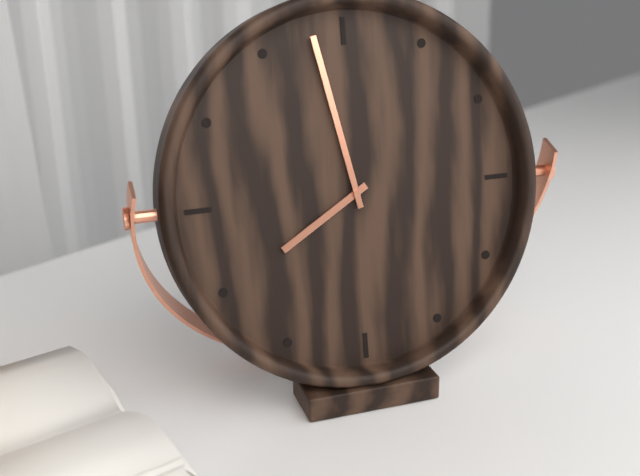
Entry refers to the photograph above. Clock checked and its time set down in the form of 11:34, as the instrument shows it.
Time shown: 7:58
